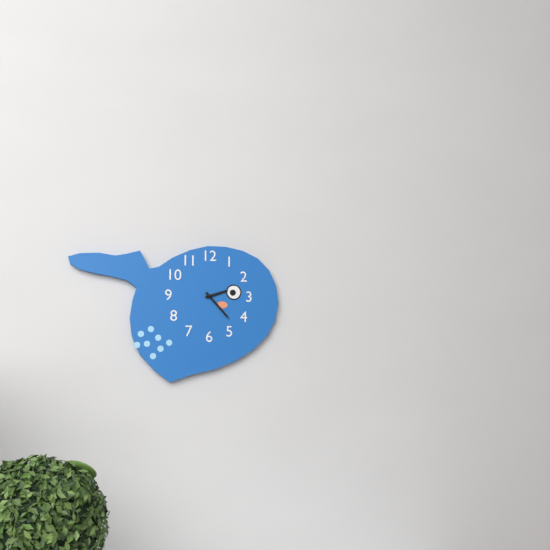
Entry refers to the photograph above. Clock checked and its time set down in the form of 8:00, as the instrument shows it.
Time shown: 2:23
